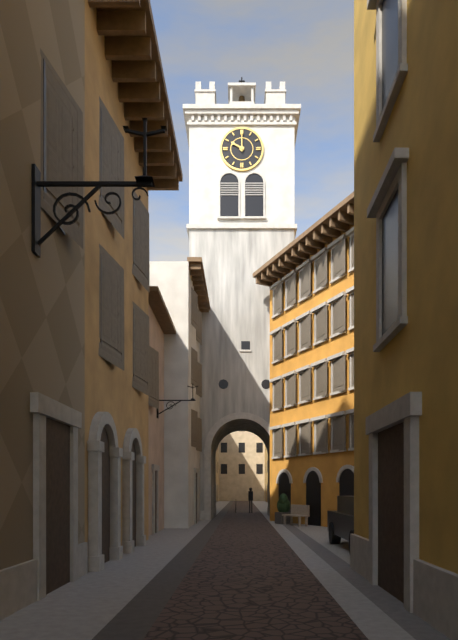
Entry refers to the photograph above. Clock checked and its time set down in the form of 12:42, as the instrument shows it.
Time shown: 10:00
